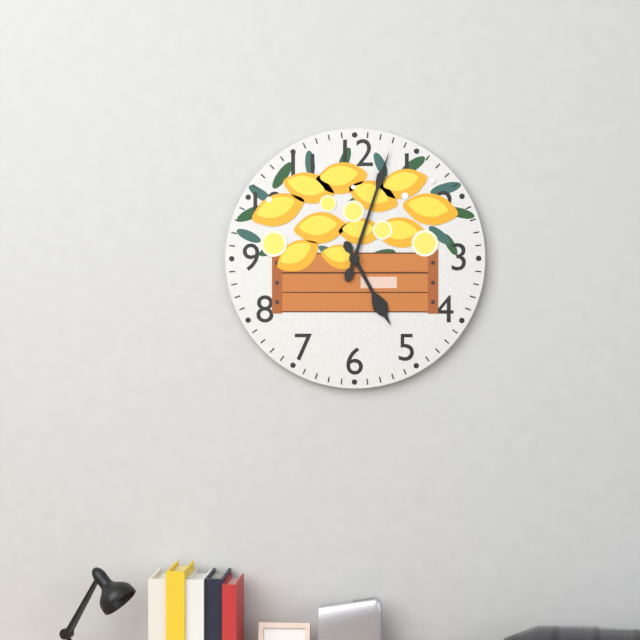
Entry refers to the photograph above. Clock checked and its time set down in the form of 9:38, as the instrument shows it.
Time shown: 5:03
